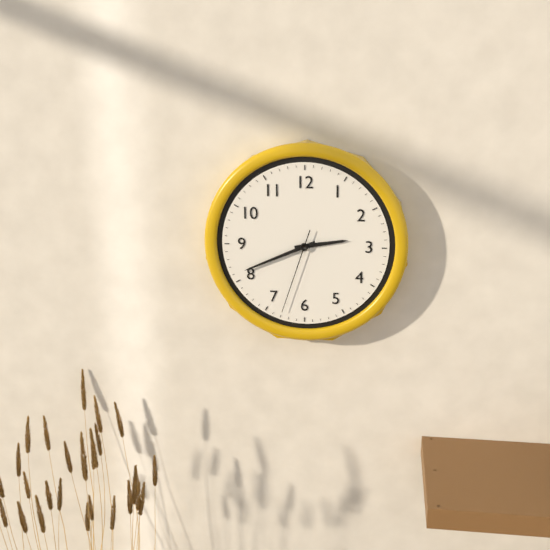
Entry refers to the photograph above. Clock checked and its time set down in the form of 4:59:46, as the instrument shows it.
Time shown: 2:41:33
